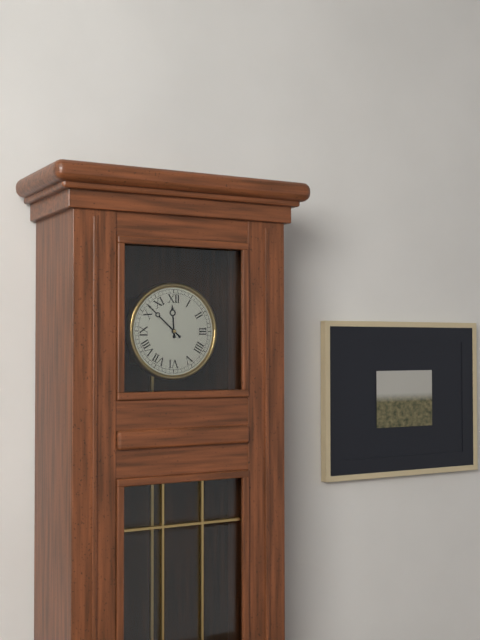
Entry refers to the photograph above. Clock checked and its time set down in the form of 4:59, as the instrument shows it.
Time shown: 11:52
